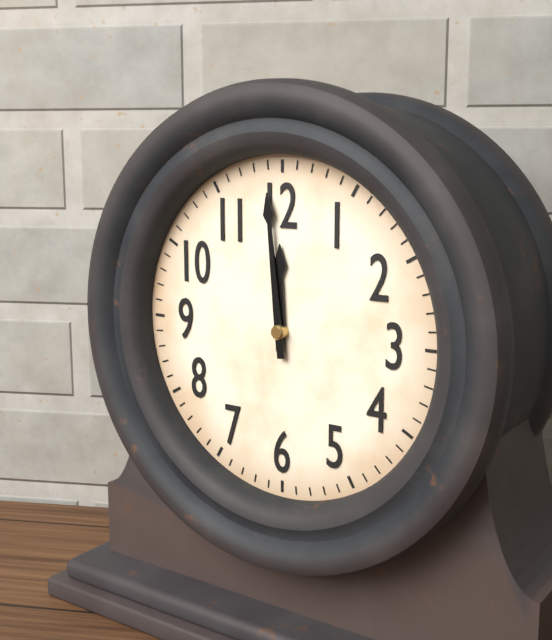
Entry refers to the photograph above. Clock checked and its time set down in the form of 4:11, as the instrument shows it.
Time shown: 11:59
